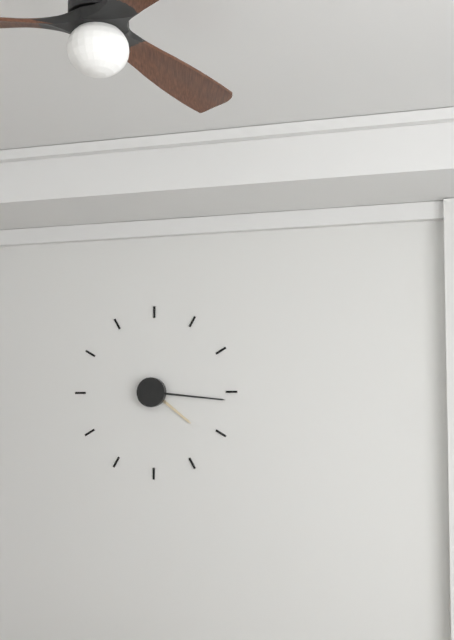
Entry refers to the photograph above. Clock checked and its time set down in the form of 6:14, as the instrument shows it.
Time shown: 4:16
